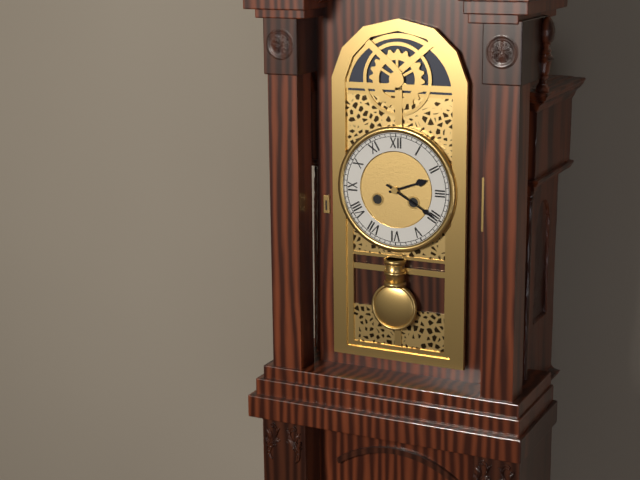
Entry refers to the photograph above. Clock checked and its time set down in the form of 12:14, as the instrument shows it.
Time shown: 2:20
